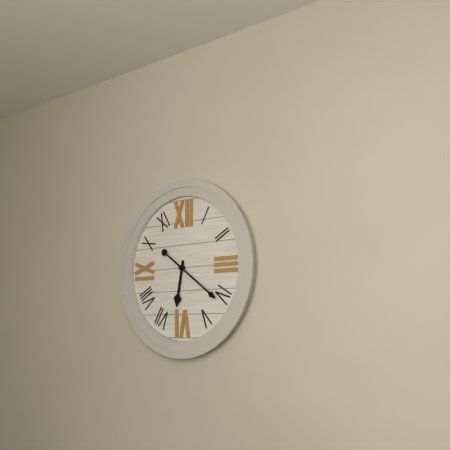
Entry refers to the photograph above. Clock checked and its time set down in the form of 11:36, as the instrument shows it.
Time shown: 6:21
